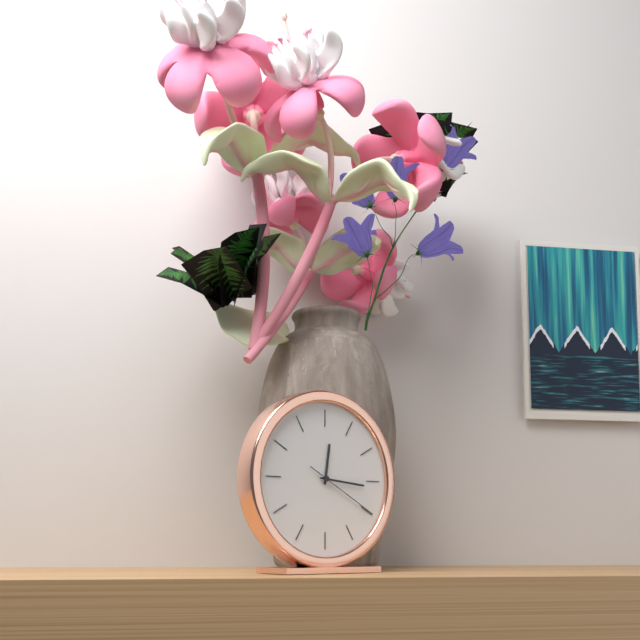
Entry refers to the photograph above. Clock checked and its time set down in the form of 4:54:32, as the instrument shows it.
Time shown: 12:16:20
